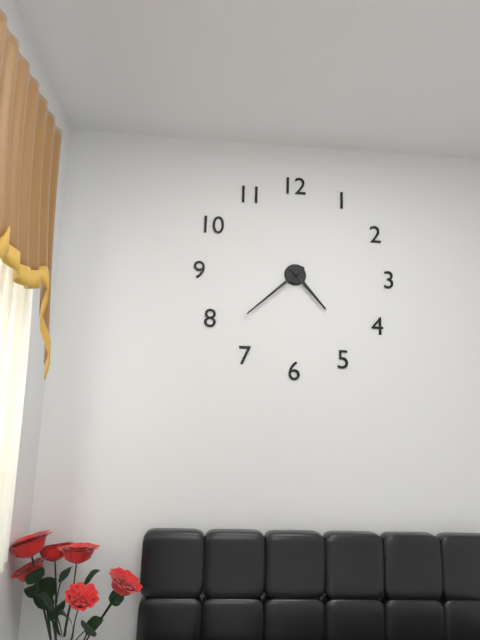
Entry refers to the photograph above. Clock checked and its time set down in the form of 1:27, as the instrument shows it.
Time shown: 4:38
